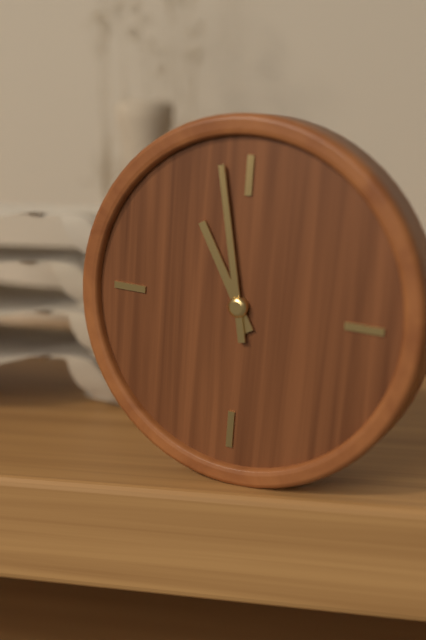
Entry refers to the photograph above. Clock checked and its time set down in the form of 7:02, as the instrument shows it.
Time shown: 10:58
